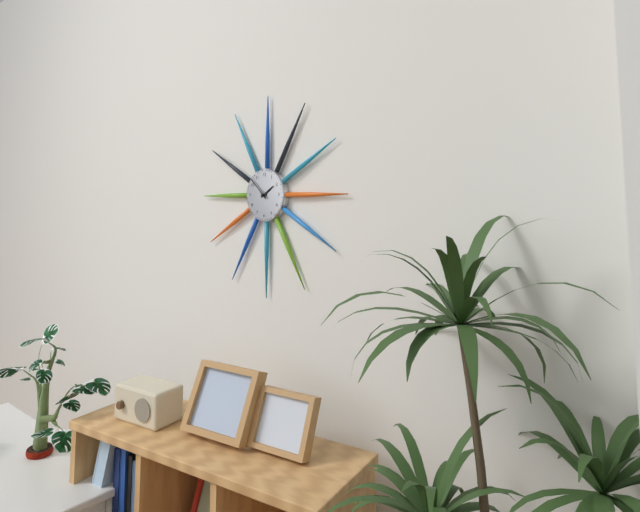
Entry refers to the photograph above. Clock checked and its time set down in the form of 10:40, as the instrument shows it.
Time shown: 1:52
